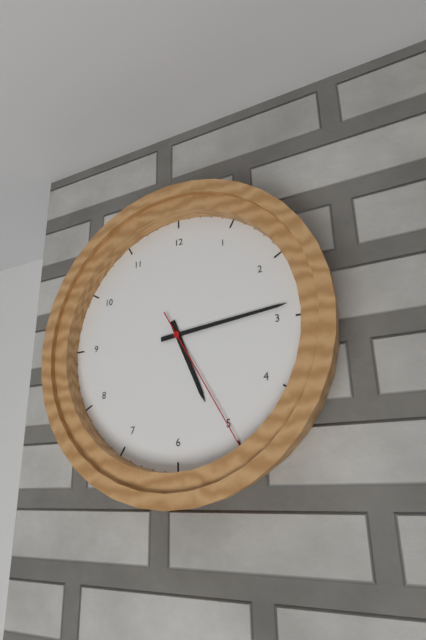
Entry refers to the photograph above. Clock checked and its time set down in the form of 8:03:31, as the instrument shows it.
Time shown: 5:14:25
